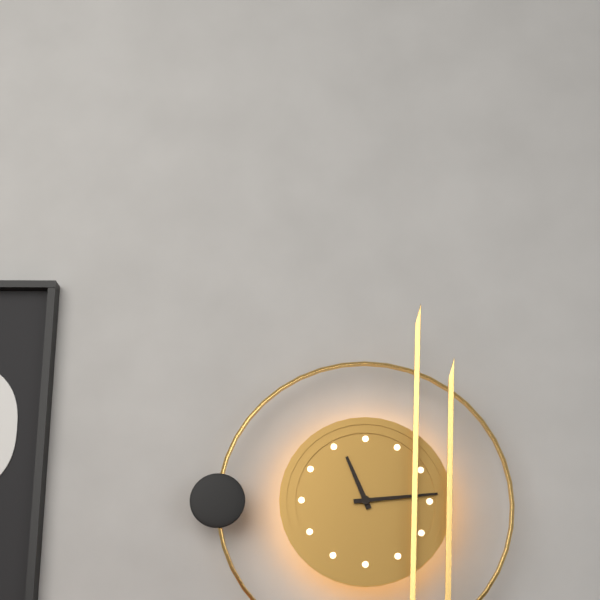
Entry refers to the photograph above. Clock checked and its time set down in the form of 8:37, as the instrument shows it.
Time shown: 11:14
